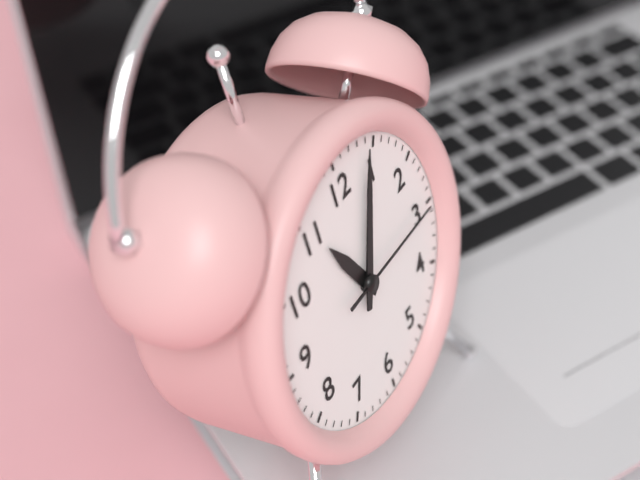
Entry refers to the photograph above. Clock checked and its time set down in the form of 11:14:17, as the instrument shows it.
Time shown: 11:04:15
